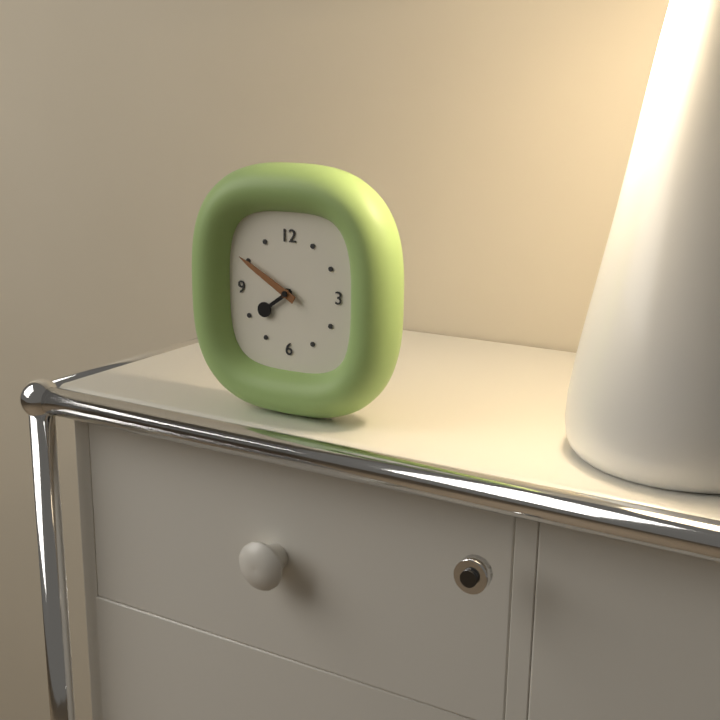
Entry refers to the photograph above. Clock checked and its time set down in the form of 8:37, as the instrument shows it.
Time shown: 7:50
